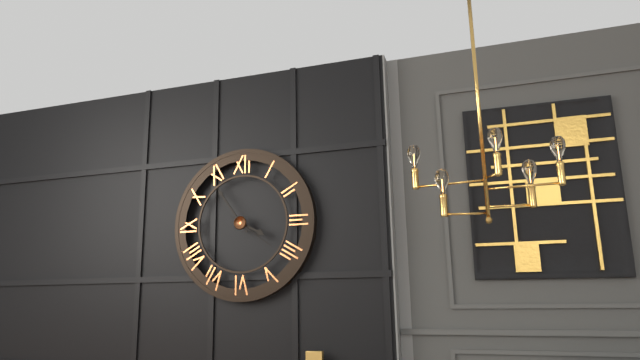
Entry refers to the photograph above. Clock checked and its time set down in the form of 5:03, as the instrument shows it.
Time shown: 3:54
